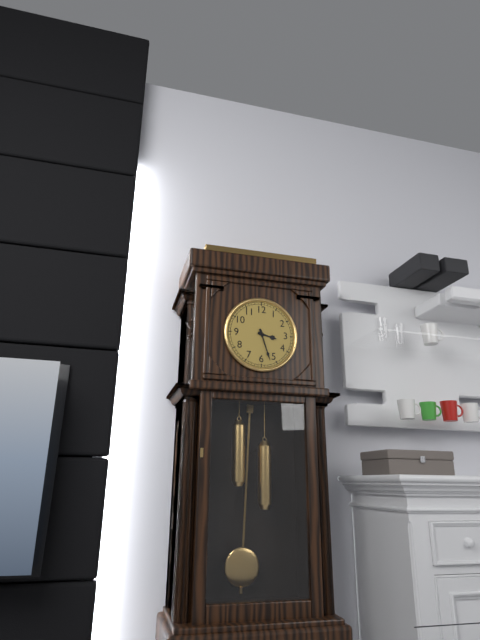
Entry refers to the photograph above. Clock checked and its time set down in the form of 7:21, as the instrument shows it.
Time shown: 3:27
